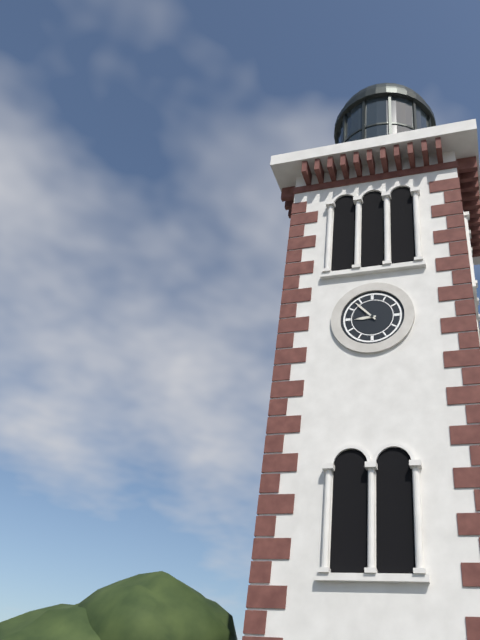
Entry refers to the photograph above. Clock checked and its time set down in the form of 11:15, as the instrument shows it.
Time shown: 8:53
